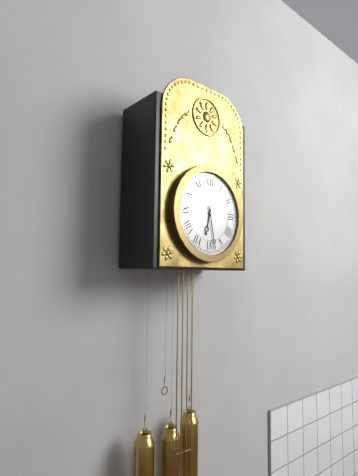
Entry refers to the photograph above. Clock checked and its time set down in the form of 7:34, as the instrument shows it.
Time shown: 6:28
